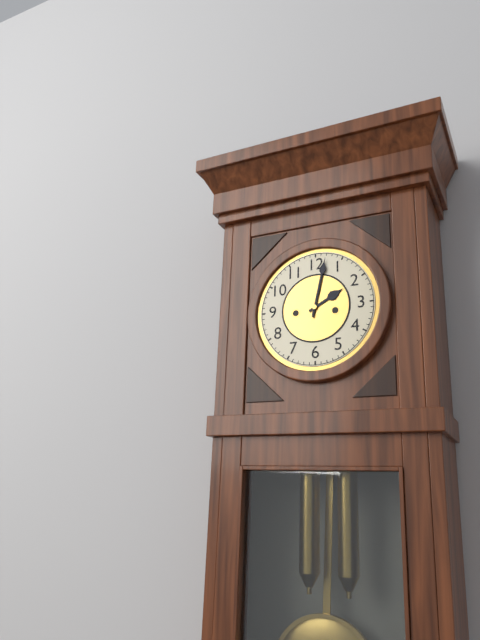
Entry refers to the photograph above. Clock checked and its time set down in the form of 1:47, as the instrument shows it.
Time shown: 2:02
